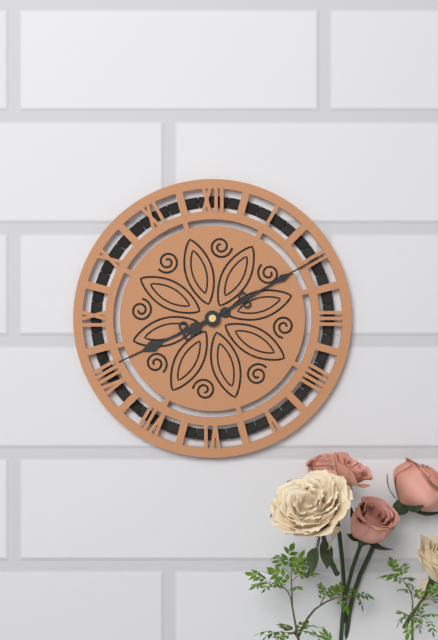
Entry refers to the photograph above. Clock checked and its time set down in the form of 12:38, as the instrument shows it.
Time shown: 8:10
